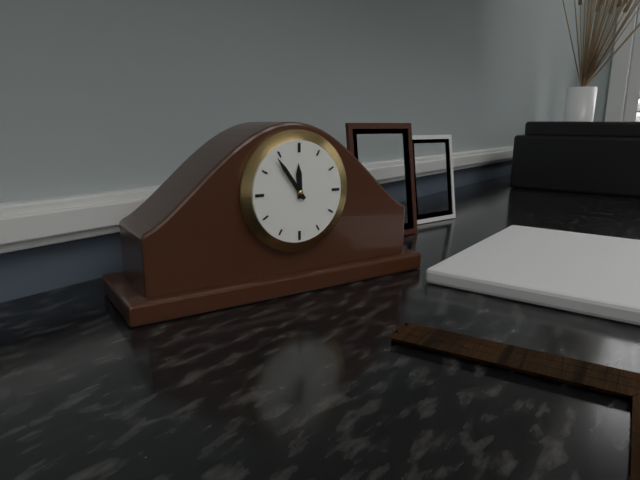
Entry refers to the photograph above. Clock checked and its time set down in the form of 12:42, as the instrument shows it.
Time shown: 11:54
